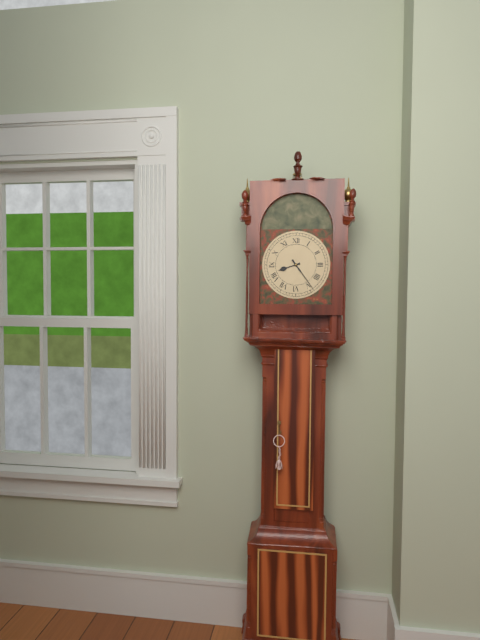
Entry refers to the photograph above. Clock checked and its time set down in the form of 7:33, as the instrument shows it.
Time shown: 8:24
